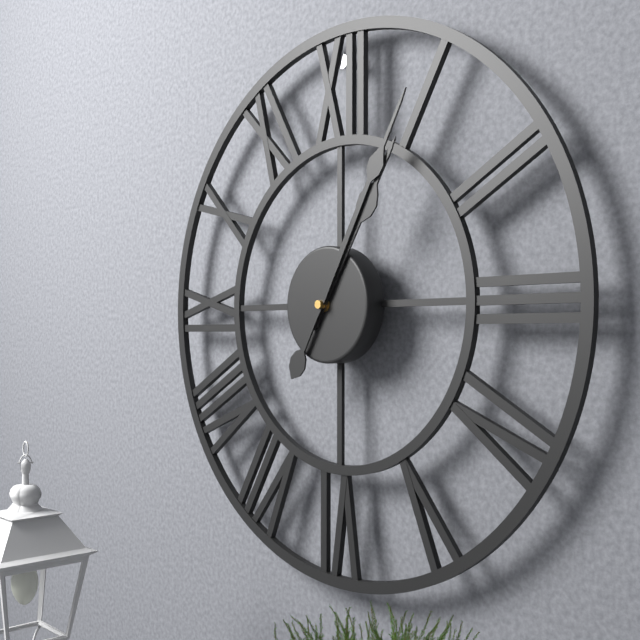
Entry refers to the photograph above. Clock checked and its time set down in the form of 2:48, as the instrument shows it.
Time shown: 1:05
